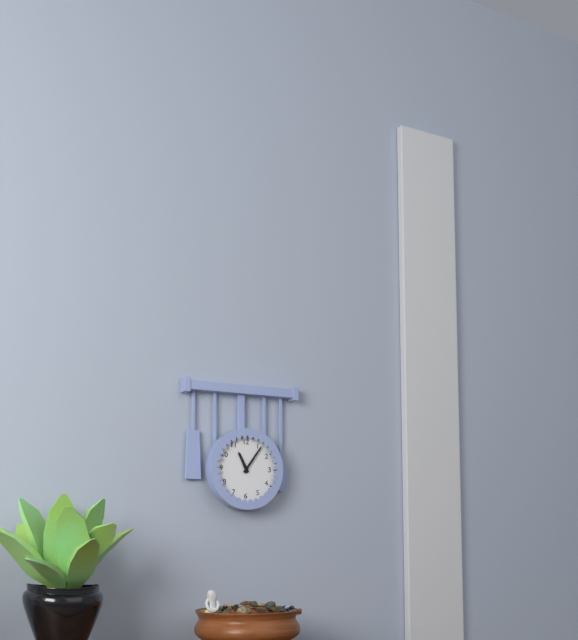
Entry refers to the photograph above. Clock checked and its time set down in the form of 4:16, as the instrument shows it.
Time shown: 11:06
